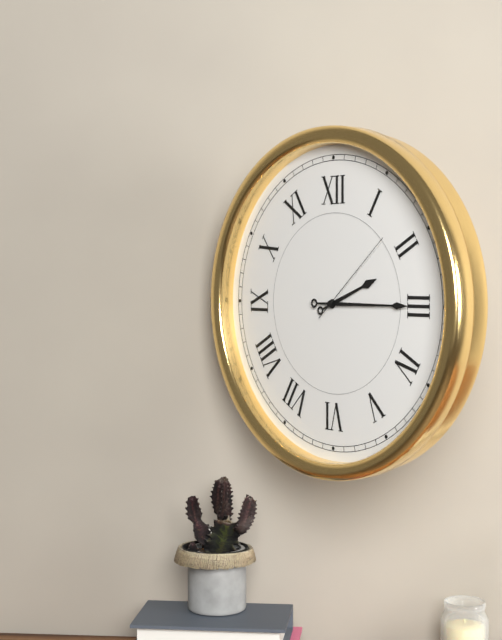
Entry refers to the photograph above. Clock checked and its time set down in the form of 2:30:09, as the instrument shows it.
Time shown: 2:15:08
